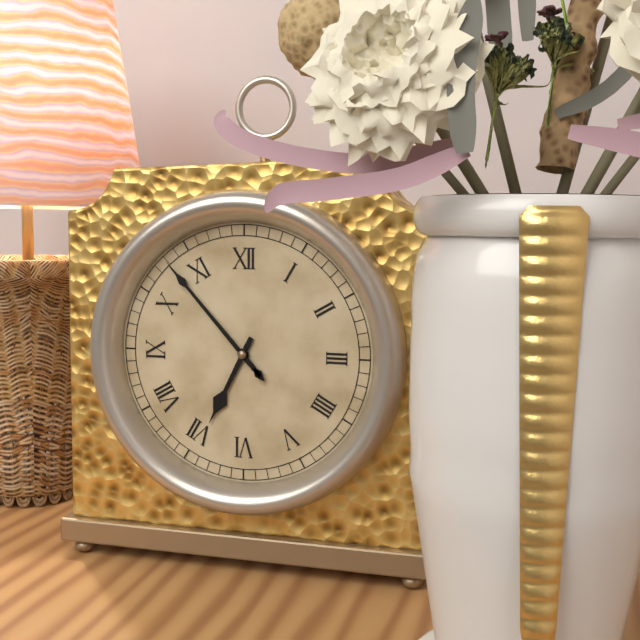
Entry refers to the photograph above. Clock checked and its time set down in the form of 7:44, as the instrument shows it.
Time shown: 6:53
